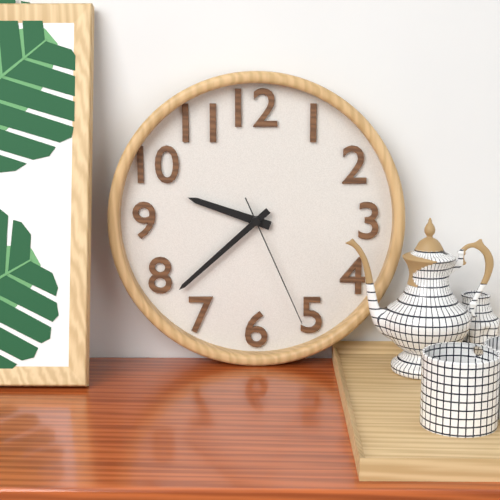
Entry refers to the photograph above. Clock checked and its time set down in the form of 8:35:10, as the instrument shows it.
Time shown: 9:38:26
